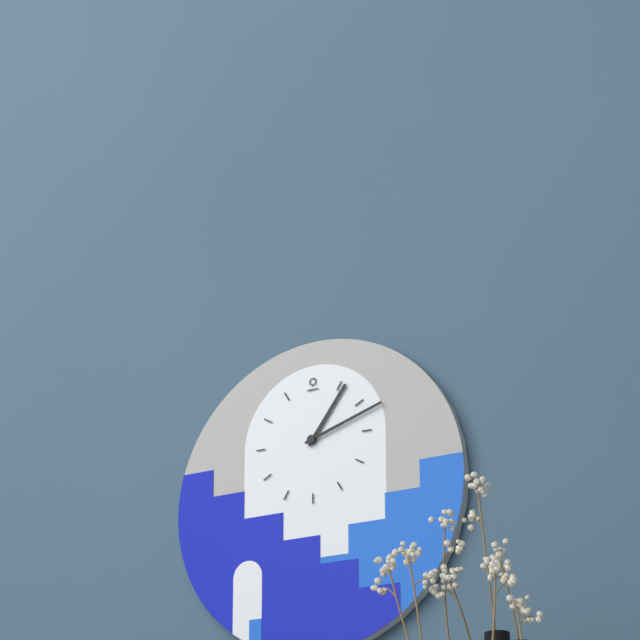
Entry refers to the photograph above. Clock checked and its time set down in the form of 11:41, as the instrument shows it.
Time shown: 1:12
